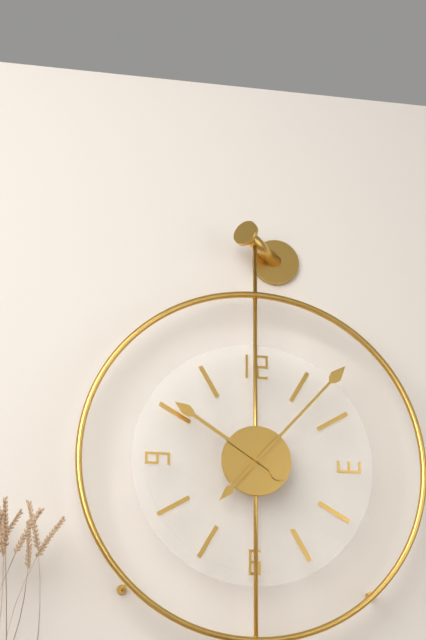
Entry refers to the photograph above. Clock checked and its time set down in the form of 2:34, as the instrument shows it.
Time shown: 10:07
